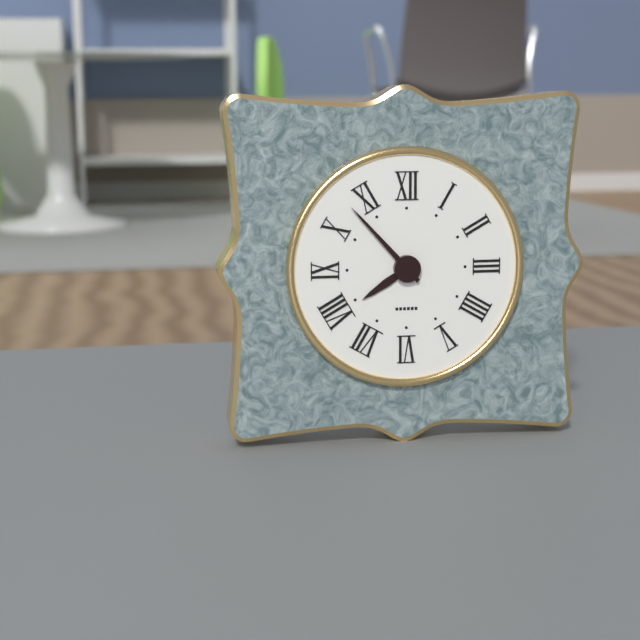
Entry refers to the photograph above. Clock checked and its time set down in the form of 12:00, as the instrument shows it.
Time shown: 7:53
